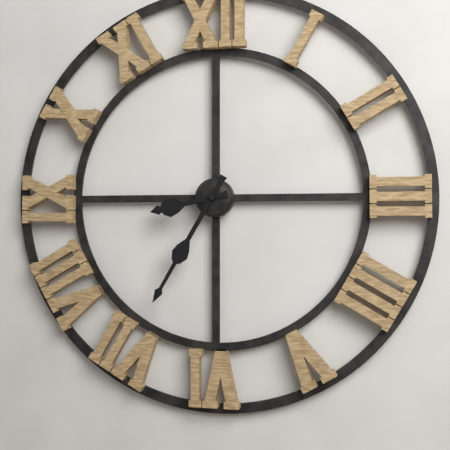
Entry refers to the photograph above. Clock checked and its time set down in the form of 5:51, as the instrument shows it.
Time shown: 8:35
